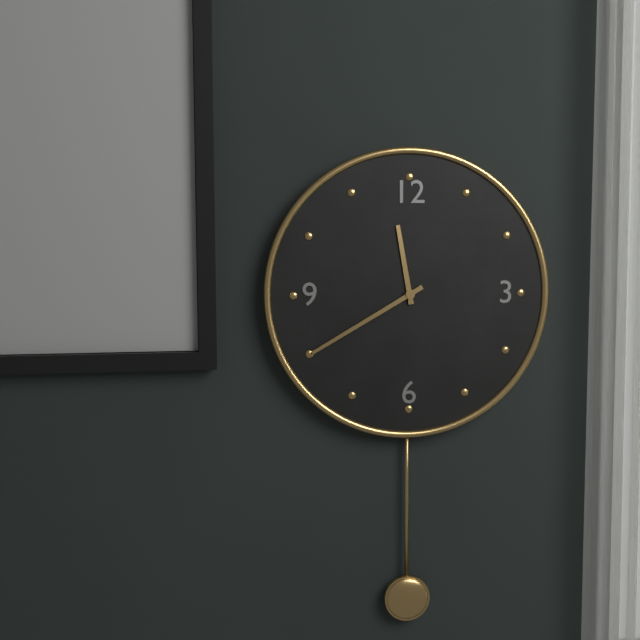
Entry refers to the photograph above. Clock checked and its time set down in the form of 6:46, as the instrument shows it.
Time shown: 11:40
